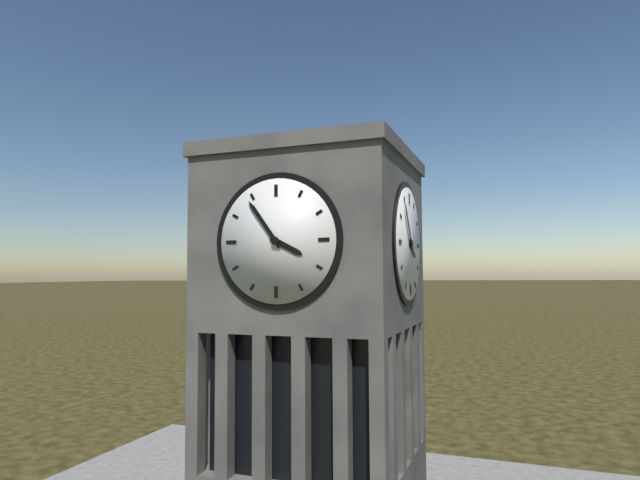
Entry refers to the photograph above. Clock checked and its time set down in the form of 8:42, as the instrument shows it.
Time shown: 3:54
